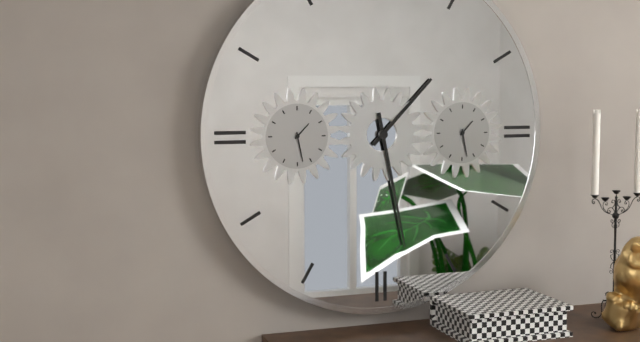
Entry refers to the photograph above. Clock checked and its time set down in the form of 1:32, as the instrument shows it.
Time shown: 1:28
